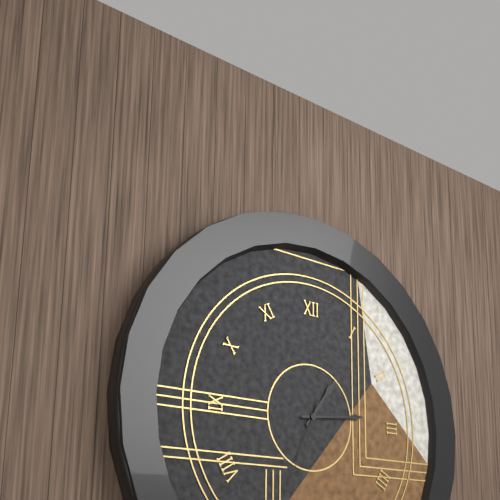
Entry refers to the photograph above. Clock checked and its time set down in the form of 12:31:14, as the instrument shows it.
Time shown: 1:14:34
